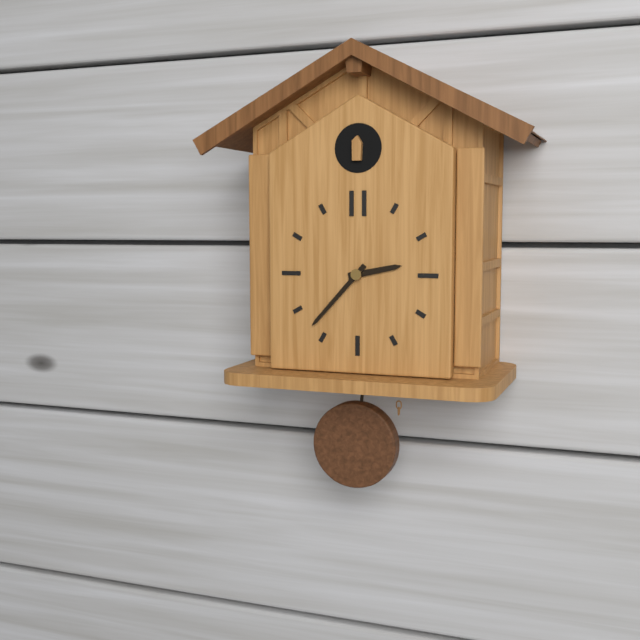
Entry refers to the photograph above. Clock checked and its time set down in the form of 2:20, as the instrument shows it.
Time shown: 2:37
